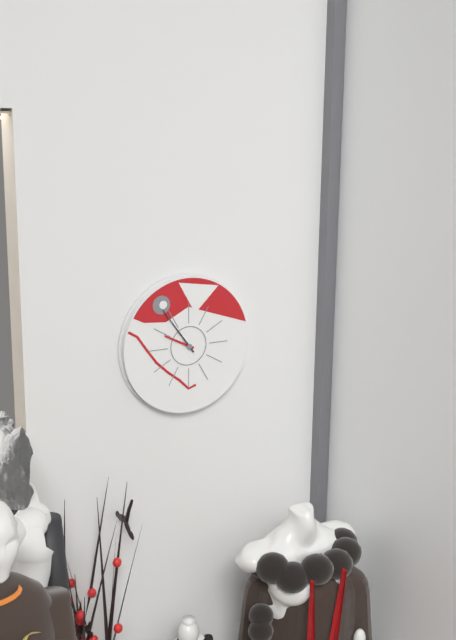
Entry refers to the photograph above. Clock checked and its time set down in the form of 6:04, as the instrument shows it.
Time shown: 9:54
